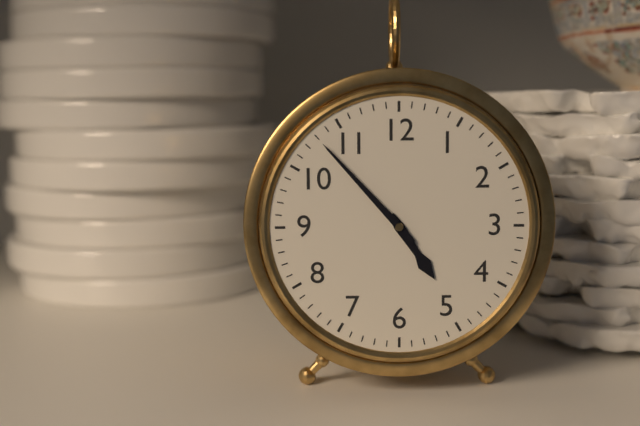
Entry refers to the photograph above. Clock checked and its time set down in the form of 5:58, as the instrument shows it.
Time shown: 4:53
